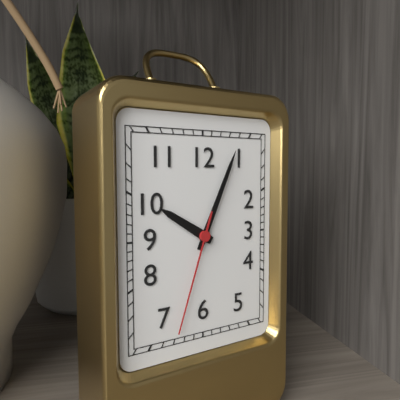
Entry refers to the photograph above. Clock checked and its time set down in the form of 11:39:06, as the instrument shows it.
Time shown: 10:04:33
